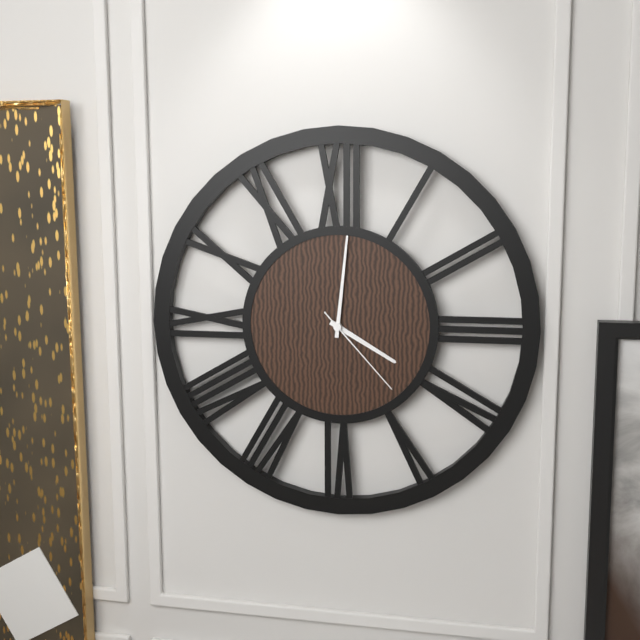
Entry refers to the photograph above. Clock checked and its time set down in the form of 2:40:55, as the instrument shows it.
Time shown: 4:01:23
